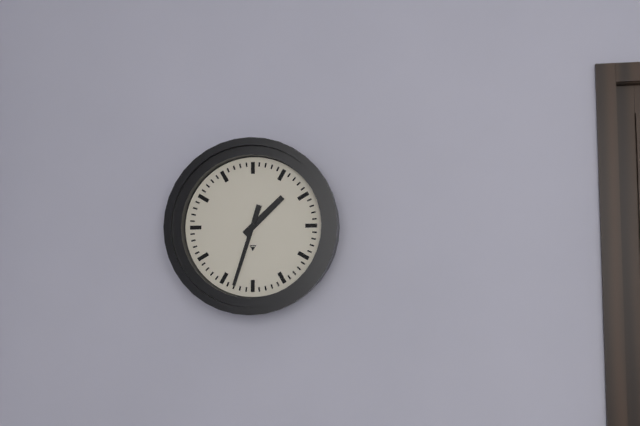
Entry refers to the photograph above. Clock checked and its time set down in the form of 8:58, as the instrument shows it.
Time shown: 1:33
